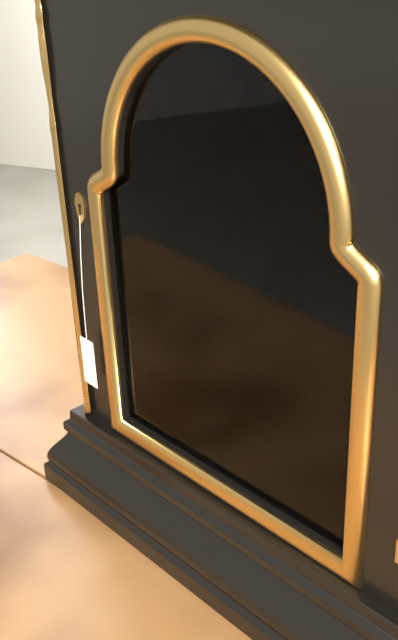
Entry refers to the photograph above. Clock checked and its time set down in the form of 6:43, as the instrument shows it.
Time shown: 6:12
